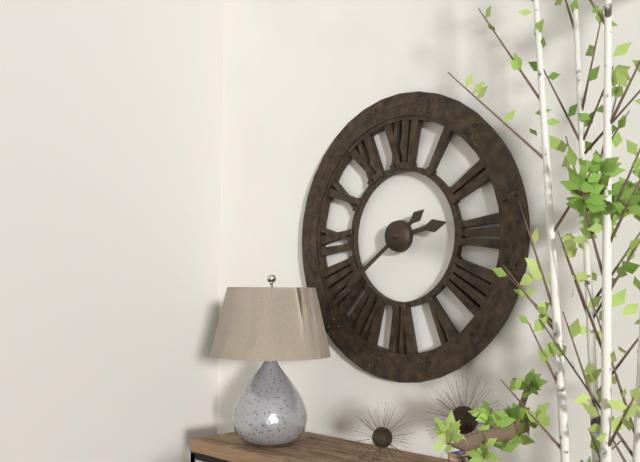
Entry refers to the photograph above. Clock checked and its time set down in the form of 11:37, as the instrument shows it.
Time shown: 2:39
